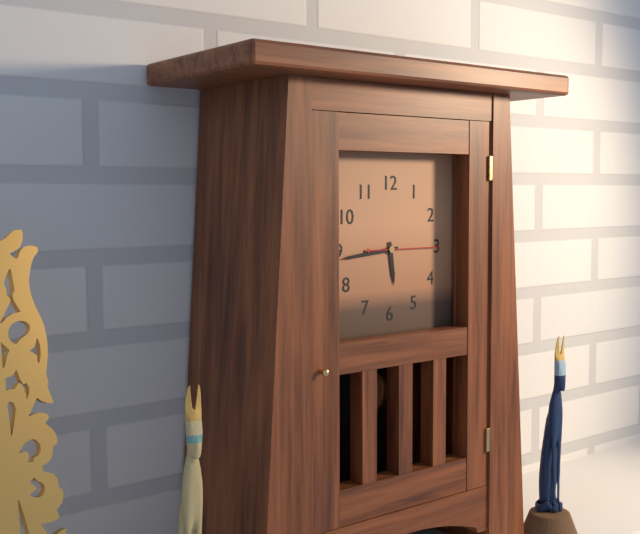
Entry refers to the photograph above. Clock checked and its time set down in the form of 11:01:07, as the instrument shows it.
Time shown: 5:44:15
